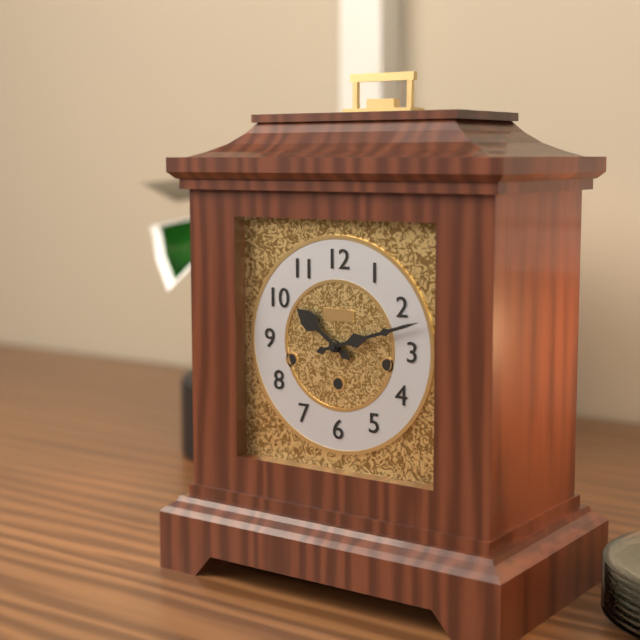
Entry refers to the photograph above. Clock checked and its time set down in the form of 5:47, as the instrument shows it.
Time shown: 10:12
